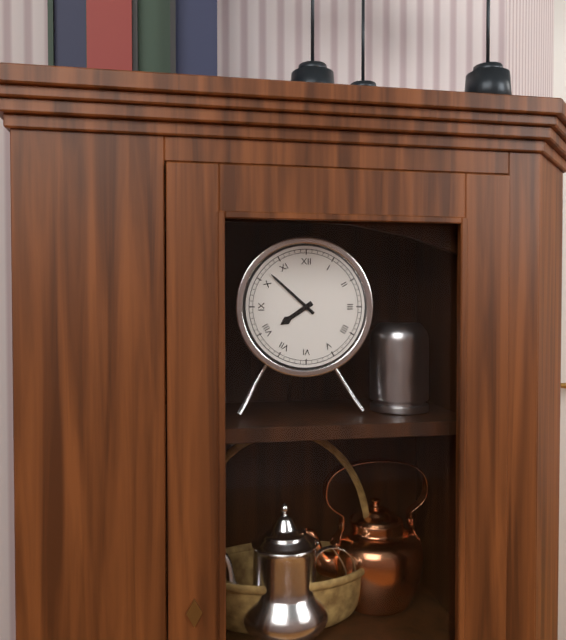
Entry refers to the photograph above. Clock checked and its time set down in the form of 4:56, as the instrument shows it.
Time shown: 7:52
